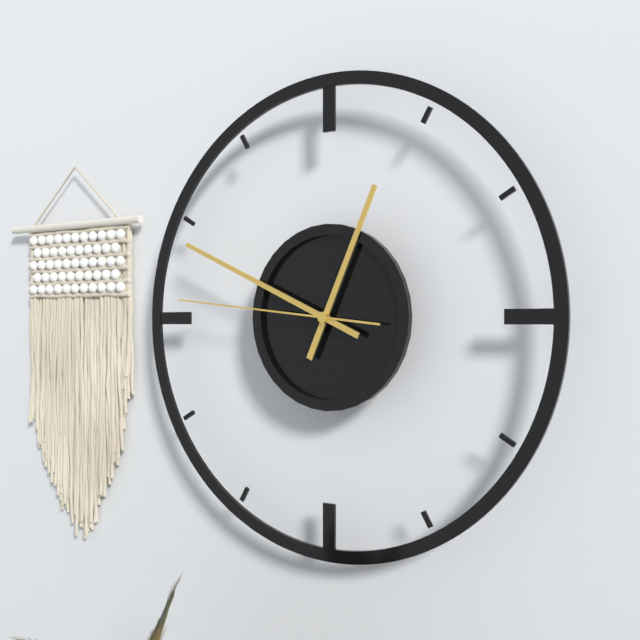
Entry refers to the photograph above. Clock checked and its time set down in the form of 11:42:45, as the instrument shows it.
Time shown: 12:49:46
